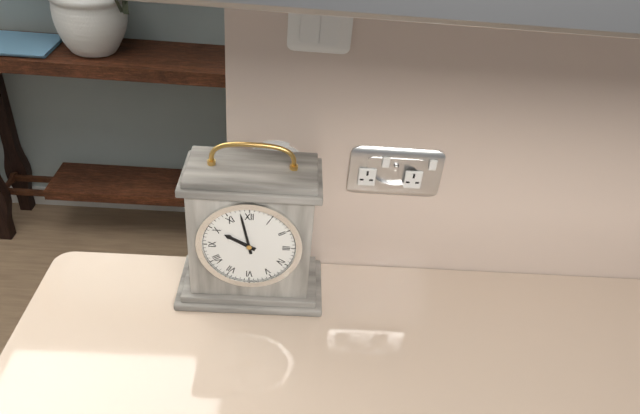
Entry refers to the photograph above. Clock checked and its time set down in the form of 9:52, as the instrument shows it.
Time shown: 9:58
